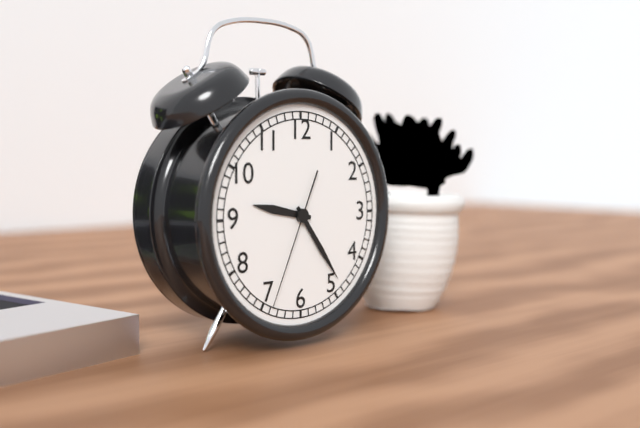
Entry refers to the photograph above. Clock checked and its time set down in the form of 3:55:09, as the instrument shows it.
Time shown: 9:24:34
